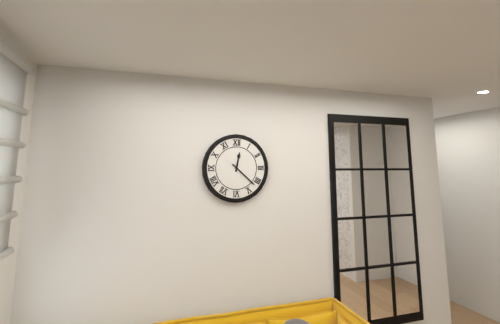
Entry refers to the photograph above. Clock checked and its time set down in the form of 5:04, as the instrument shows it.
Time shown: 12:22
